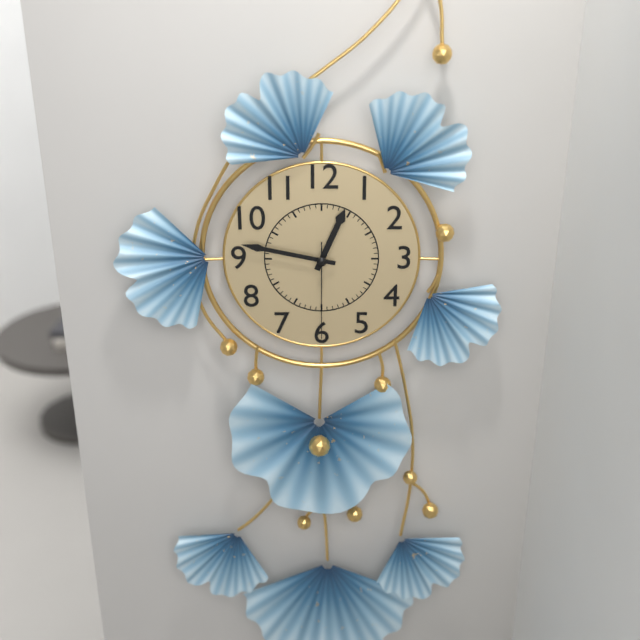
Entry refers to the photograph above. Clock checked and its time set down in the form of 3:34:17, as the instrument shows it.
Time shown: 12:47:30
